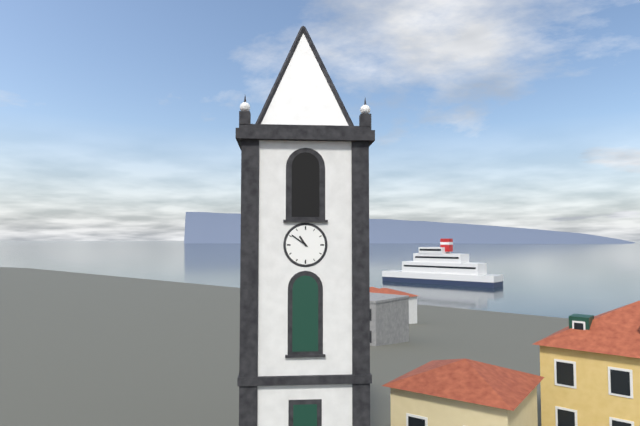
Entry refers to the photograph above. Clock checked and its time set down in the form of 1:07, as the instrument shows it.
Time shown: 10:51
